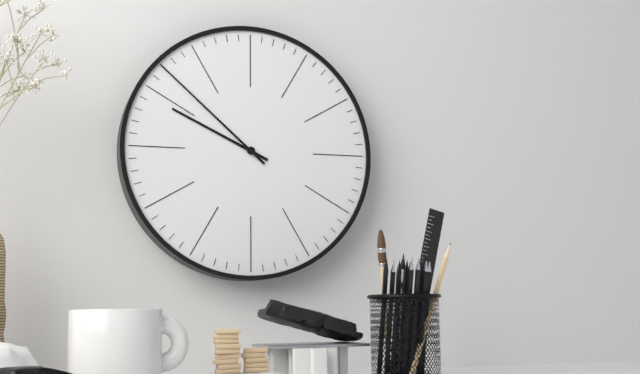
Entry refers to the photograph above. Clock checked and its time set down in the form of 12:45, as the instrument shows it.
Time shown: 9:52
